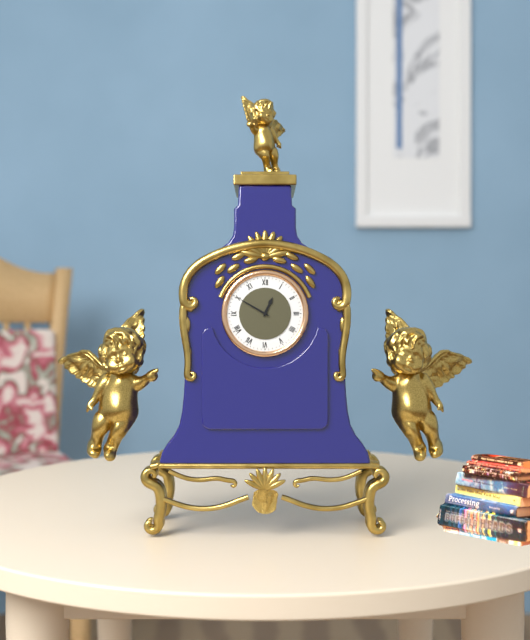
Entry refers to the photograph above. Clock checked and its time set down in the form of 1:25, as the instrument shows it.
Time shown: 12:50
